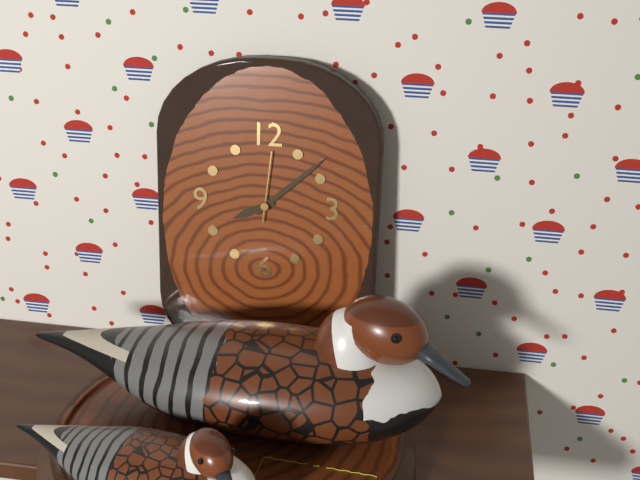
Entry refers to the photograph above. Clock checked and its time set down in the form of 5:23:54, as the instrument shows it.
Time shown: 8:08:01
